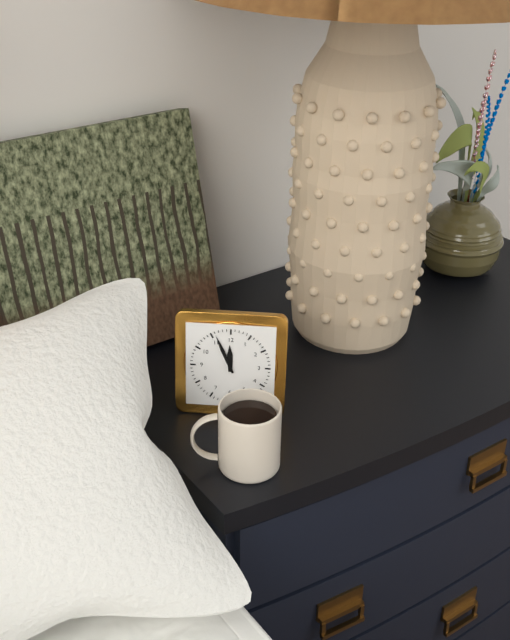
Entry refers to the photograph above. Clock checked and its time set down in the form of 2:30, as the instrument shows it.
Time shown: 11:56
